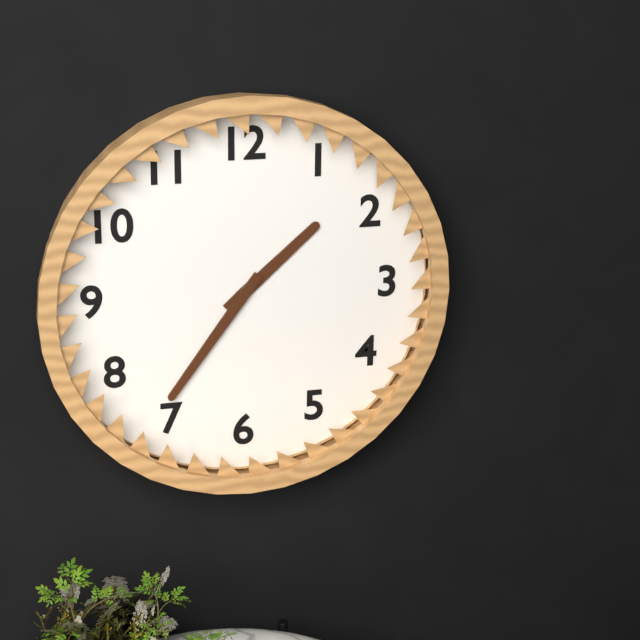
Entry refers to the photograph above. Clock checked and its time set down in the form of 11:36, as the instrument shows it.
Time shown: 1:36
